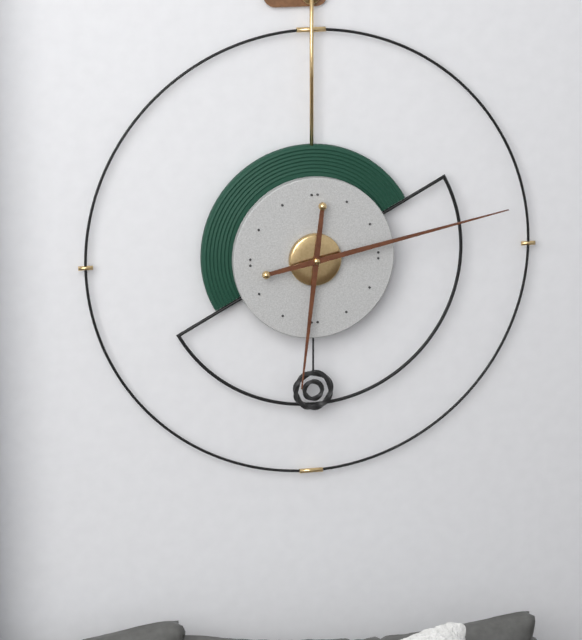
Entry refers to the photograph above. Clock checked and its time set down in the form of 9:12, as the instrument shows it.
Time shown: 6:13
